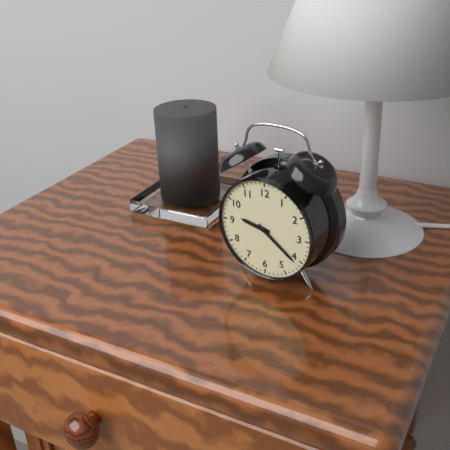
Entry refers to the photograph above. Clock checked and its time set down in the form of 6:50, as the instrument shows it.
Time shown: 9:21
